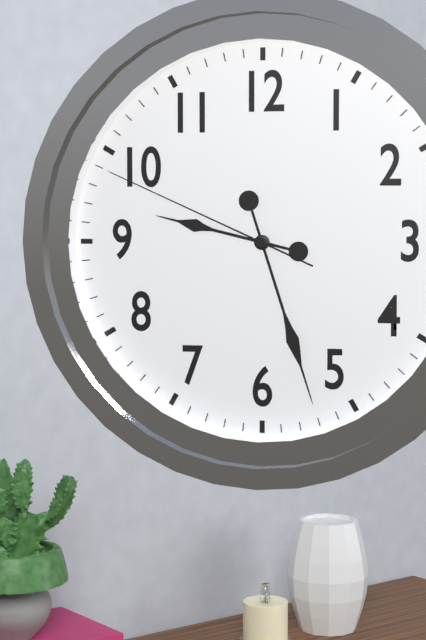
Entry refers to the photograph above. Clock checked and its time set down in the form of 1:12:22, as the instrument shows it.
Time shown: 9:27:49
